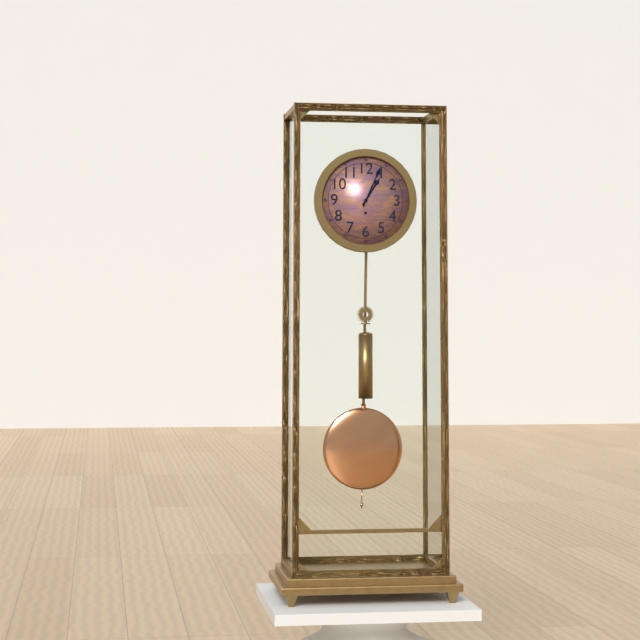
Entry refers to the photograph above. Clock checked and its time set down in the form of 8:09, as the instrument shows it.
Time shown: 1:04
